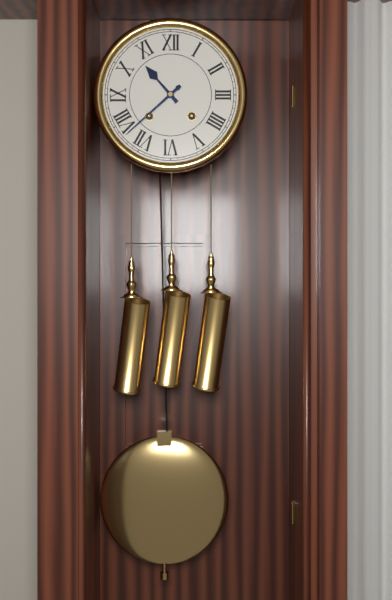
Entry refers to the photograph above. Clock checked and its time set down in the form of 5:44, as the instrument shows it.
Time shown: 10:38
